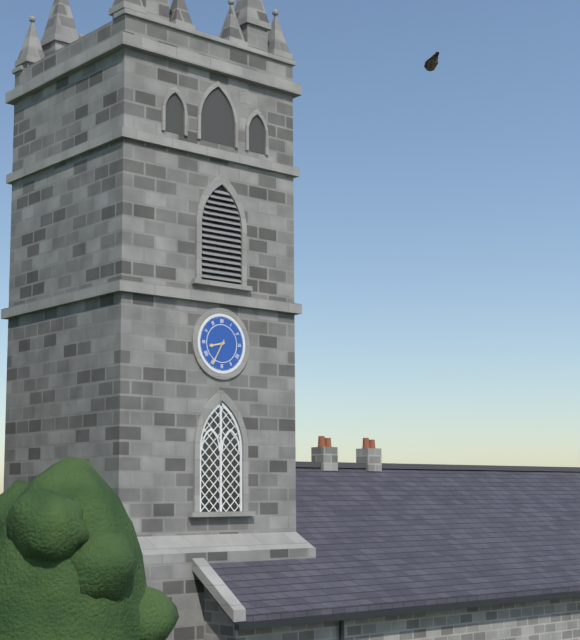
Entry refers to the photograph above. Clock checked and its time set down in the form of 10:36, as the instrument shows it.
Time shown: 8:35
